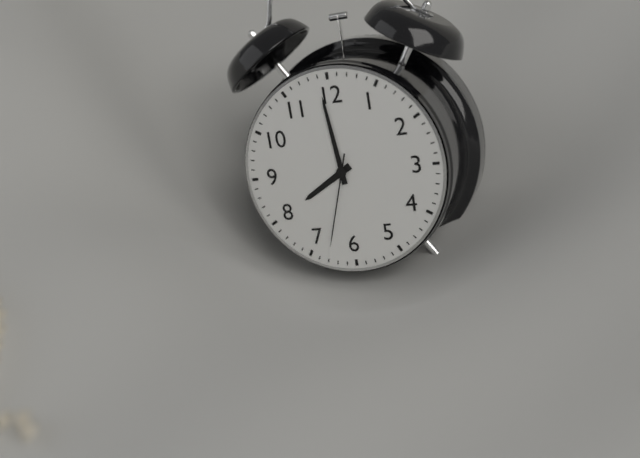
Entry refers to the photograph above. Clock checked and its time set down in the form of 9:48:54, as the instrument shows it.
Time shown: 7:59:33
